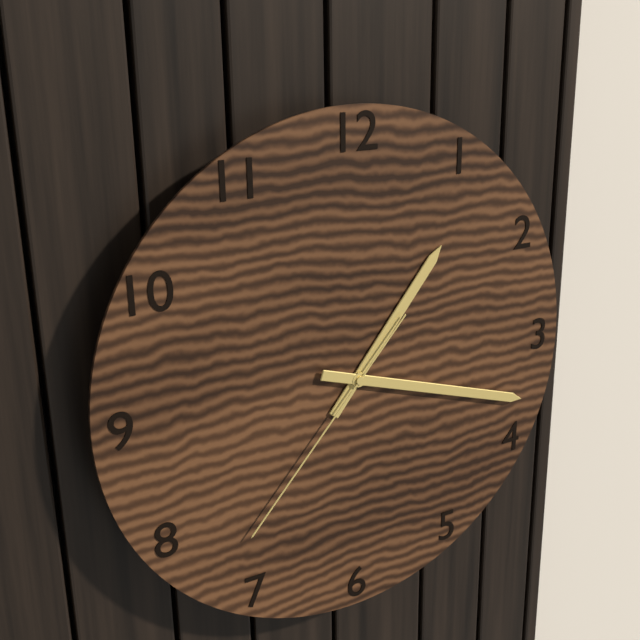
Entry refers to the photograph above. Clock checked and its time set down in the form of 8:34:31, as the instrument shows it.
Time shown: 1:18:37
